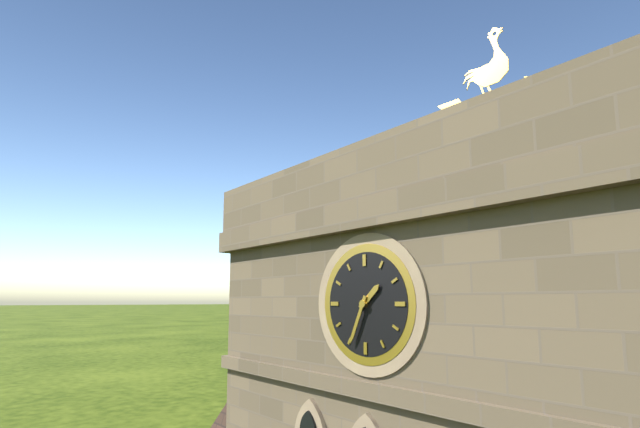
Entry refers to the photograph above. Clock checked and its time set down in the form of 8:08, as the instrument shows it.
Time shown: 1:34
